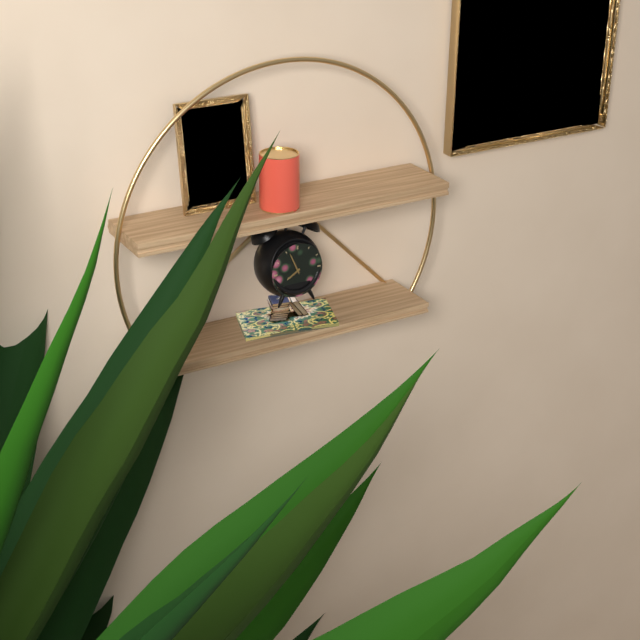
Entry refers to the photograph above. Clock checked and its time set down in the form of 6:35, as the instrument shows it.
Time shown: 7:56
